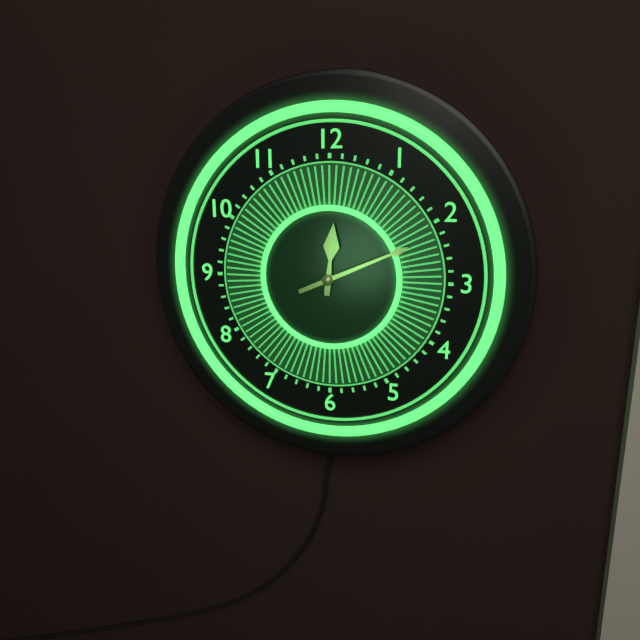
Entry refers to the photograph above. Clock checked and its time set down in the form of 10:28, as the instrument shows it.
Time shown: 12:11
